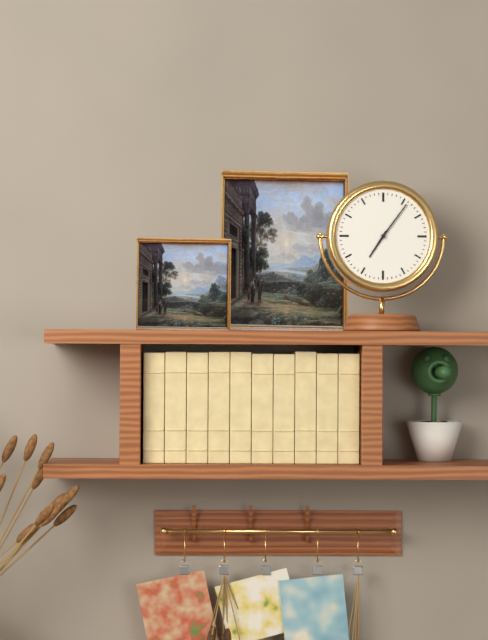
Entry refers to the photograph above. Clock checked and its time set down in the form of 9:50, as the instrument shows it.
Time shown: 7:06
